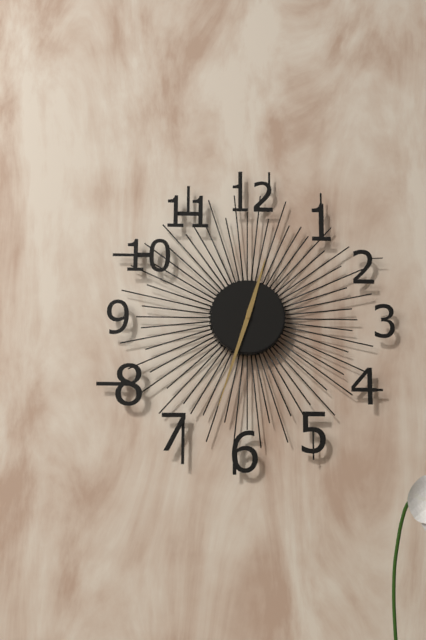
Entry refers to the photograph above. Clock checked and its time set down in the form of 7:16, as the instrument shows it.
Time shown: 12:33
